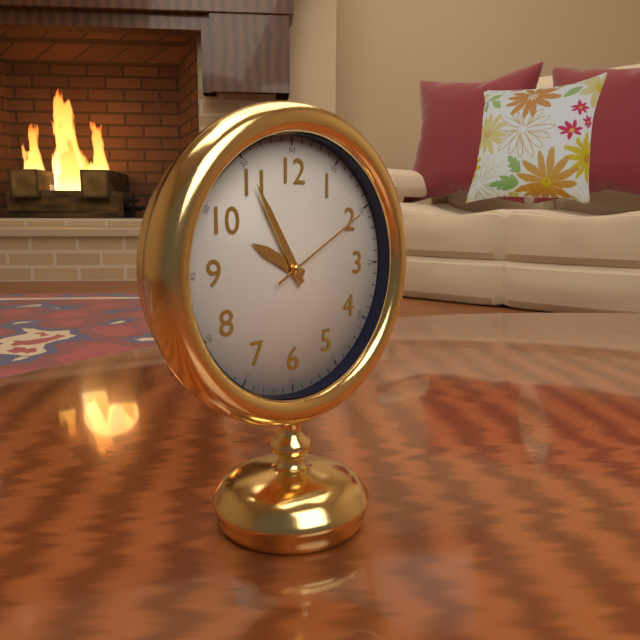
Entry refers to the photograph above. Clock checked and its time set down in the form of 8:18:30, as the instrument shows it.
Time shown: 9:55:10
